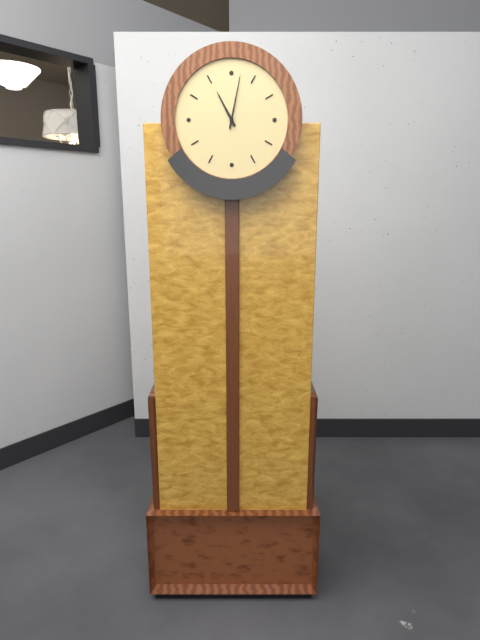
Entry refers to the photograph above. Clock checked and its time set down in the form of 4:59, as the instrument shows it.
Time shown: 11:02
